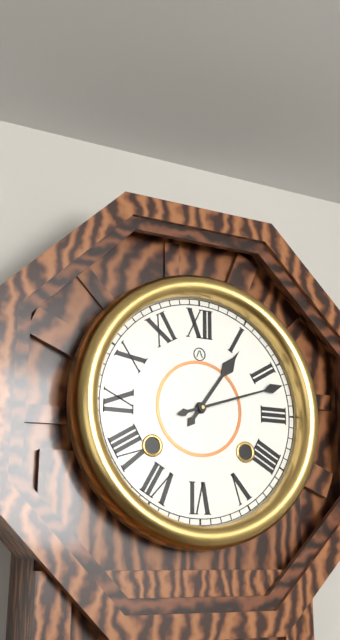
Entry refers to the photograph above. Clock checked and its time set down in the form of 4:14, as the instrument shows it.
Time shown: 1:12
